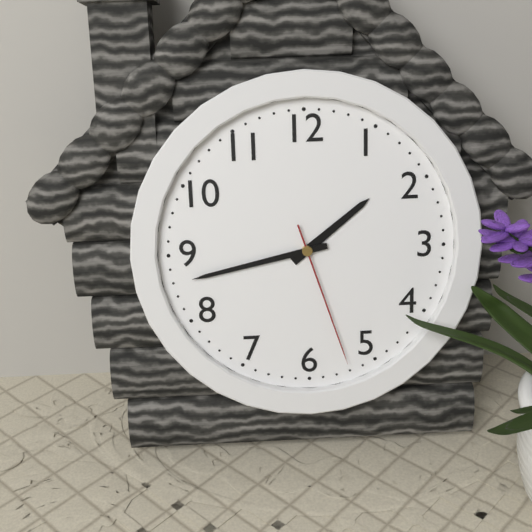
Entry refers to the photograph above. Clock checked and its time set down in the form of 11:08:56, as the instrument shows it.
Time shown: 1:43:27
